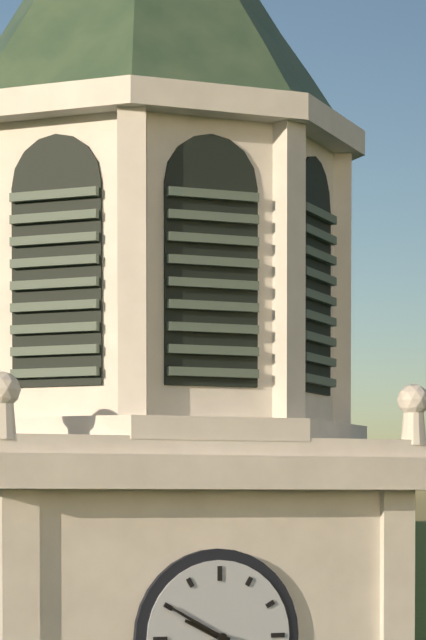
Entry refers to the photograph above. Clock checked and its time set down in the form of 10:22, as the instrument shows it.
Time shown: 9:50
